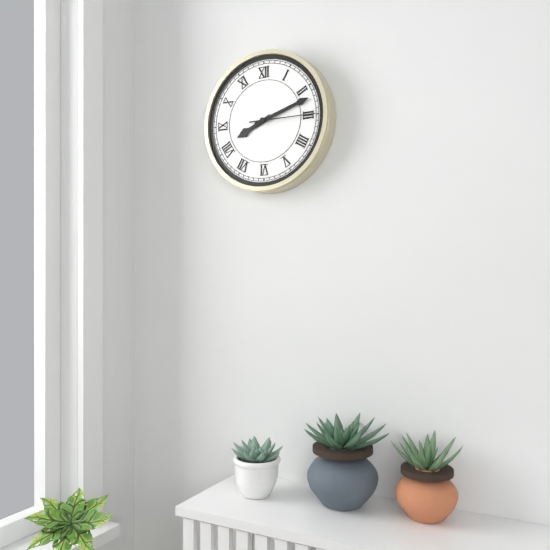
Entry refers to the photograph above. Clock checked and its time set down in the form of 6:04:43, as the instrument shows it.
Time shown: 8:12:15
